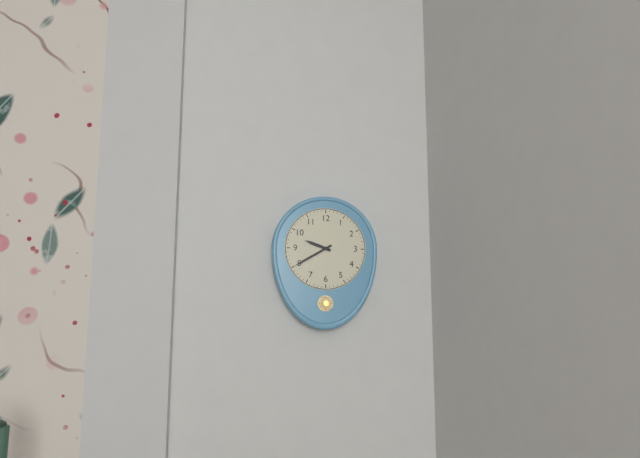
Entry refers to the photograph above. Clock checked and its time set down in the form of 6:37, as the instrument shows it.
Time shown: 9:40
